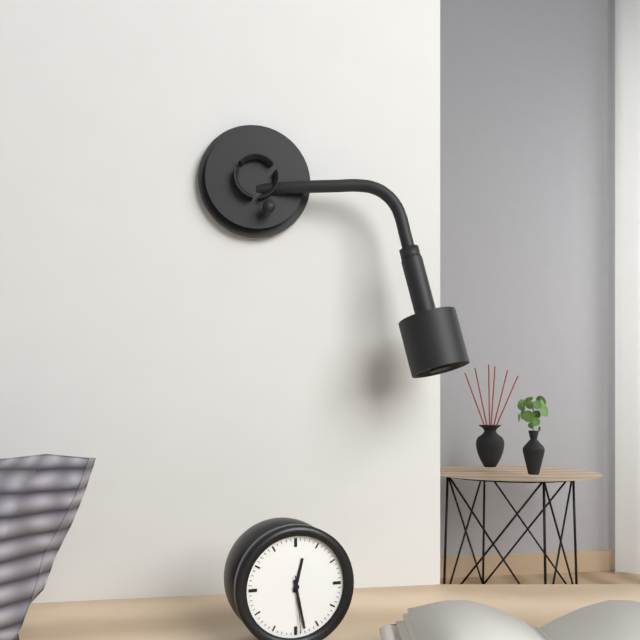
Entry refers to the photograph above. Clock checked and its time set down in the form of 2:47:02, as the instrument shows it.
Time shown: 12:28:29
